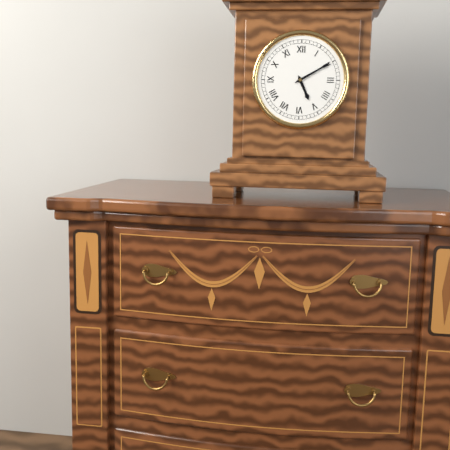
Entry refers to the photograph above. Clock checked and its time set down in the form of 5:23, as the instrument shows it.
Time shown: 5:10
